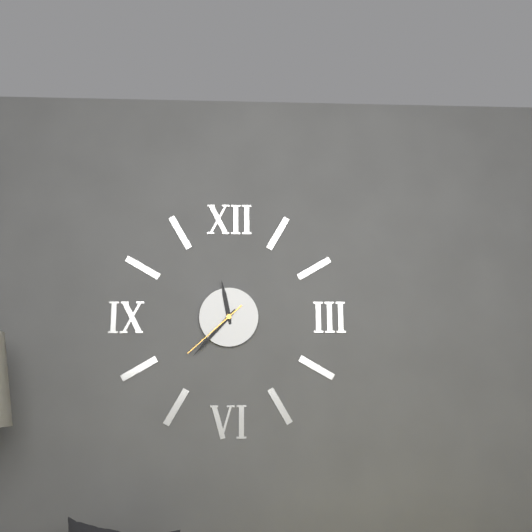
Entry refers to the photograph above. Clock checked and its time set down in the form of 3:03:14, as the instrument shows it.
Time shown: 11:37:38
